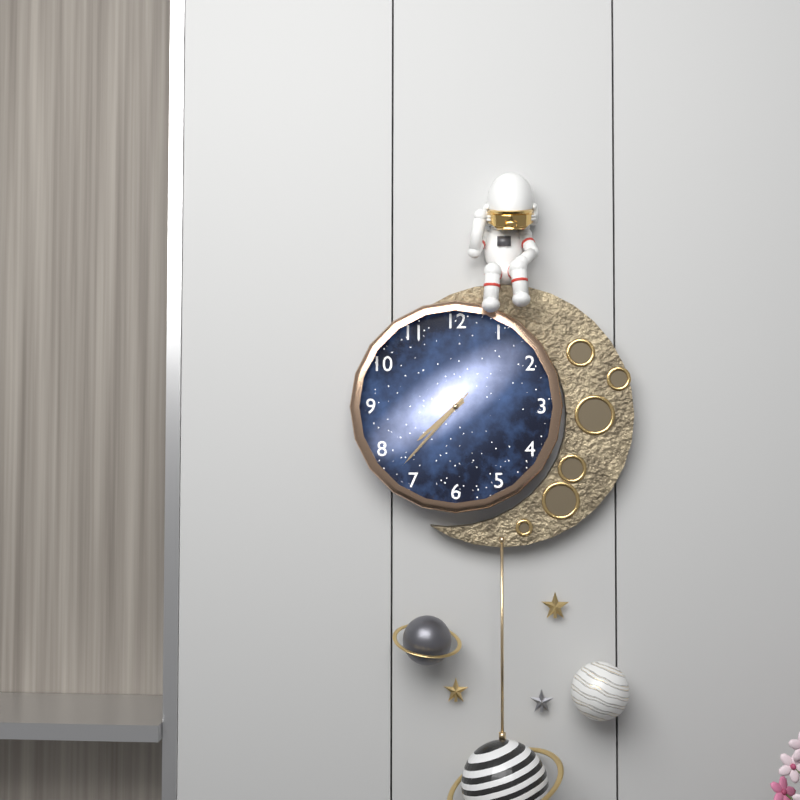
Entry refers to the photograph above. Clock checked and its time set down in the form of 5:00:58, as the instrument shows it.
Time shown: 7:37:37
